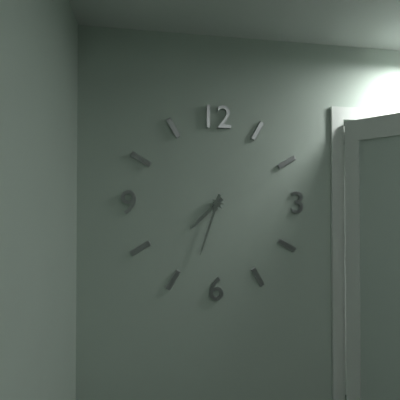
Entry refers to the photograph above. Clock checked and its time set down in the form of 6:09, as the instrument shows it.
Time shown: 7:33
